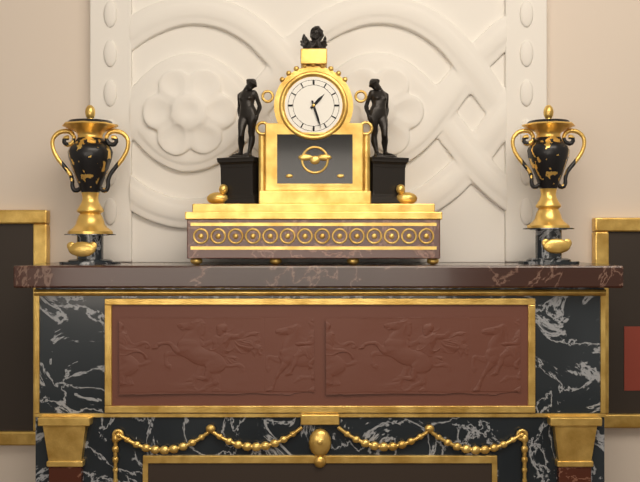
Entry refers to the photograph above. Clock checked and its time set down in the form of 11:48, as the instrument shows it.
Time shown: 1:27
